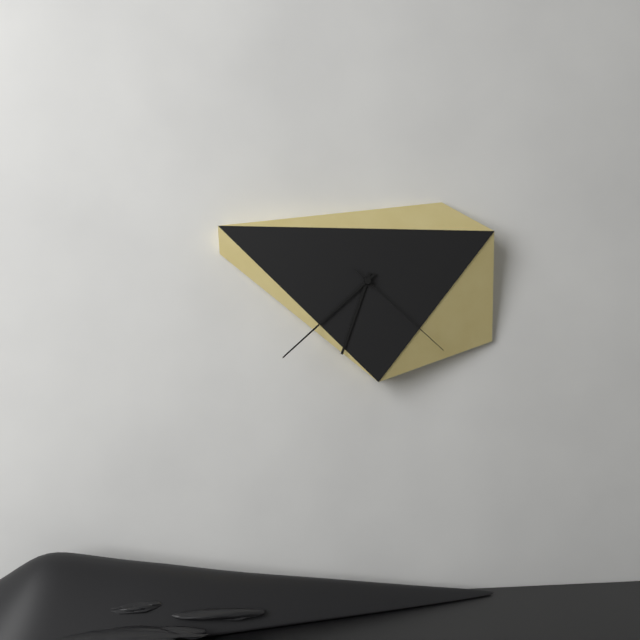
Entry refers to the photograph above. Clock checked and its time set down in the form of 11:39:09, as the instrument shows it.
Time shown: 6:38:22
